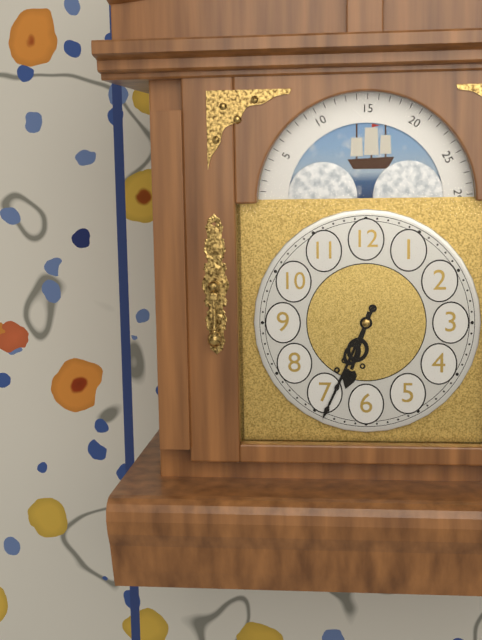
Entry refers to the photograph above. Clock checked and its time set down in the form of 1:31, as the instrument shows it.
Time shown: 6:34
